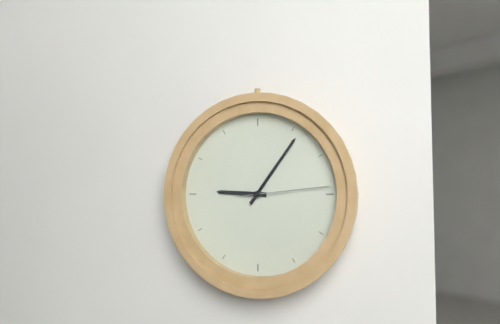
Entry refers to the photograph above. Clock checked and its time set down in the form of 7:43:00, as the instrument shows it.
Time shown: 9:06:14
